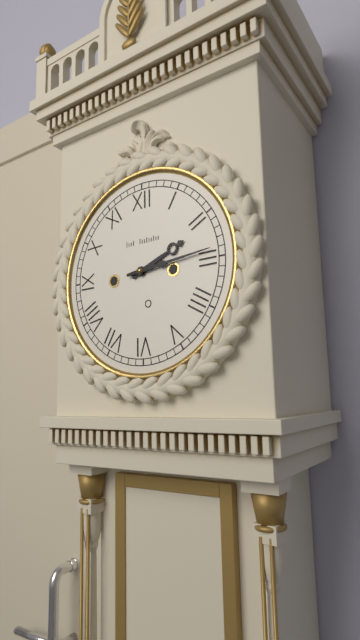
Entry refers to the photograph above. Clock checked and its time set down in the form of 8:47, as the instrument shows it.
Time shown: 2:14
